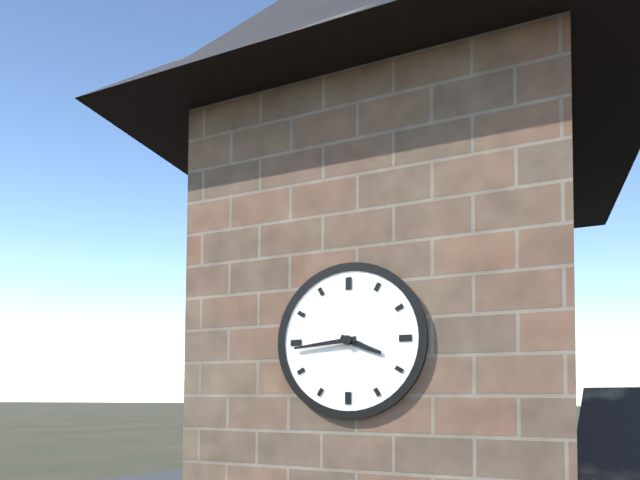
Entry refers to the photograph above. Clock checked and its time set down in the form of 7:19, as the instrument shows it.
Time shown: 3:44
